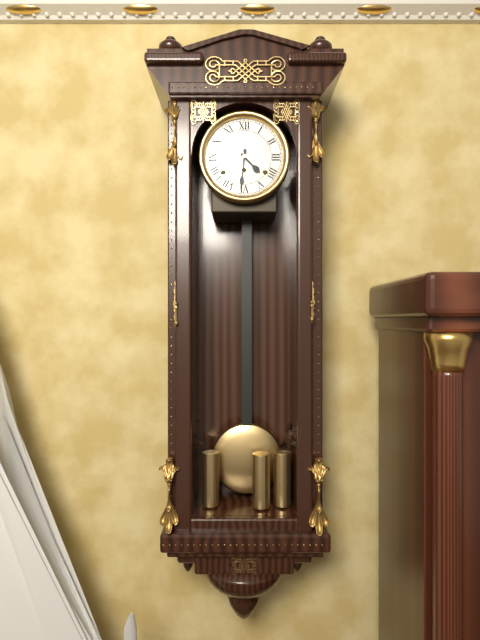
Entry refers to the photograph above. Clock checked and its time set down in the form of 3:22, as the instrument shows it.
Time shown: 4:31
